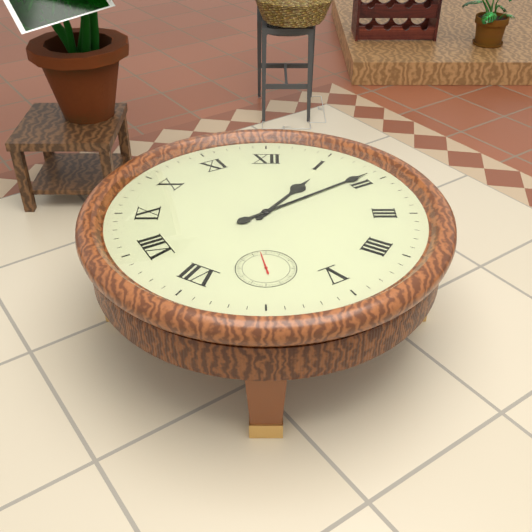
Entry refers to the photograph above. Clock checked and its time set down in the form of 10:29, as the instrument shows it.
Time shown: 1:09
